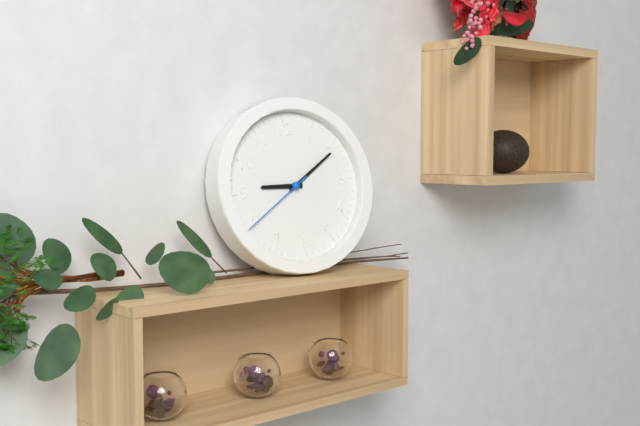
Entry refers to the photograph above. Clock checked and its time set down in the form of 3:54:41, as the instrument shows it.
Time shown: 9:10:40
